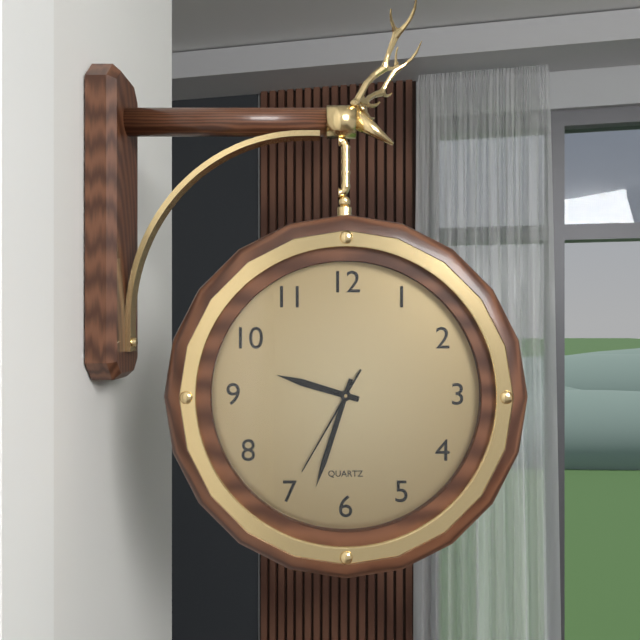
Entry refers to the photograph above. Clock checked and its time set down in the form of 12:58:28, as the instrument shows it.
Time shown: 9:33:35
